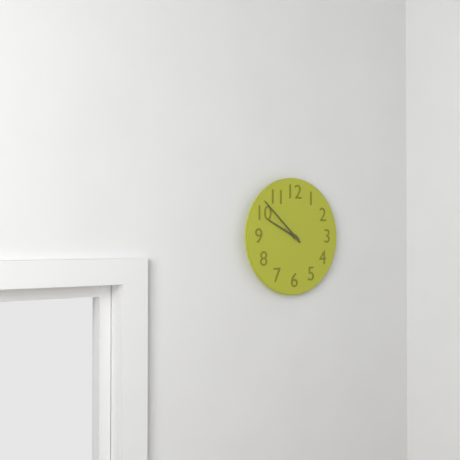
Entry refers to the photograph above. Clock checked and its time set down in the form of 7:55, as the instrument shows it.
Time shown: 9:52
